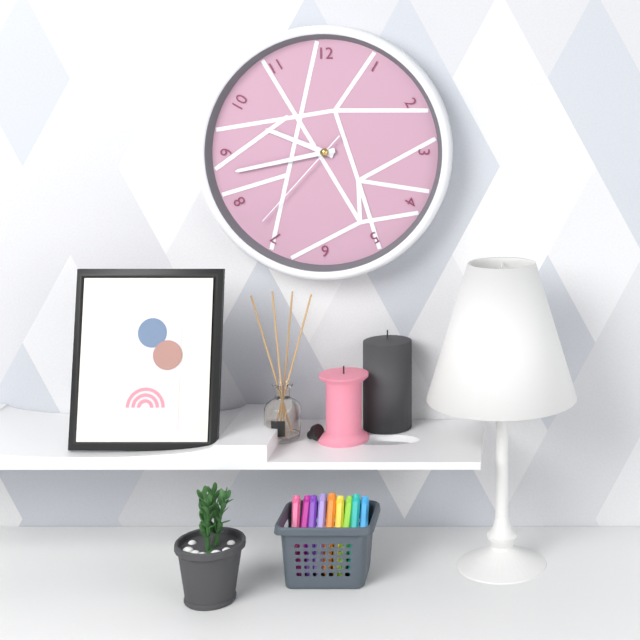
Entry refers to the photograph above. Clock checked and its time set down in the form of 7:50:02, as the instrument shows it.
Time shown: 9:43:37
